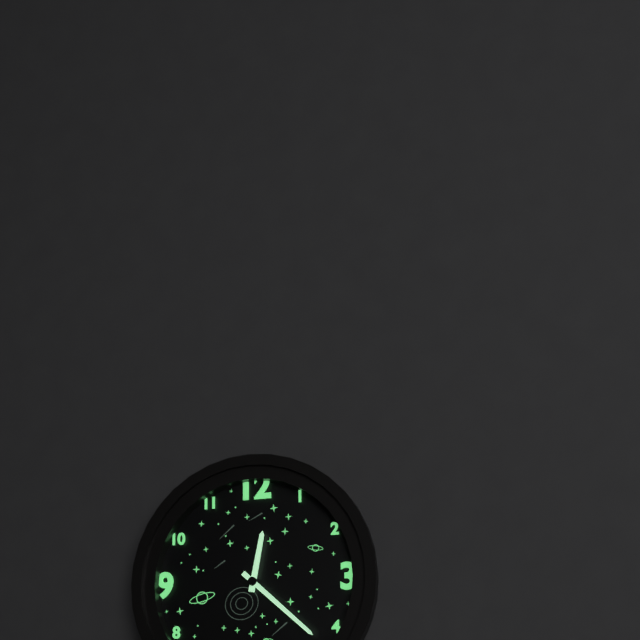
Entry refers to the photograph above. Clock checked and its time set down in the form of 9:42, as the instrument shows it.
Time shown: 12:22
